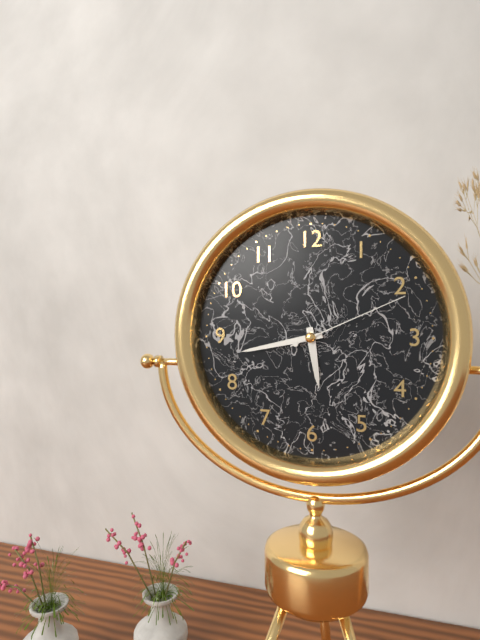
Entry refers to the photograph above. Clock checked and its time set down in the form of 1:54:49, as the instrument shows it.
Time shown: 5:43:11
